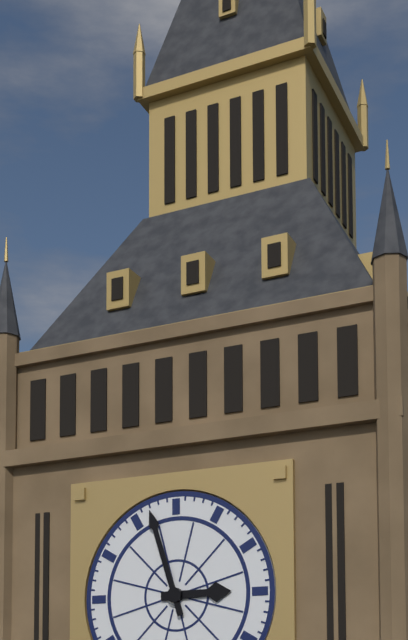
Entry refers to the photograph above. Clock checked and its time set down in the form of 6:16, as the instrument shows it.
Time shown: 2:57
